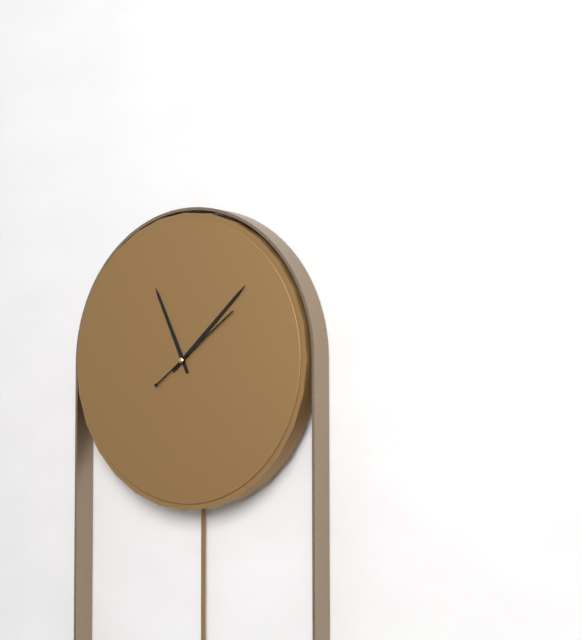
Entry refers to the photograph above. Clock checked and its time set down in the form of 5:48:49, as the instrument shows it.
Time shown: 11:08:09
